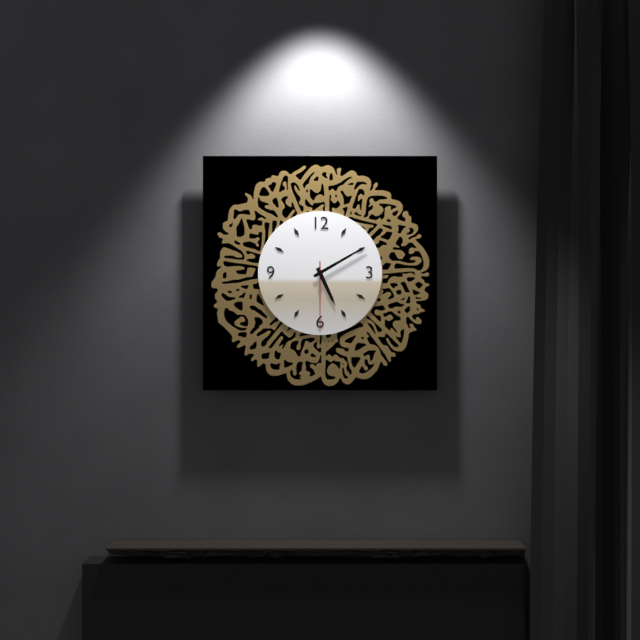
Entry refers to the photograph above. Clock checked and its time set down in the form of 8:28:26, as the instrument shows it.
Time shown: 5:10:30
